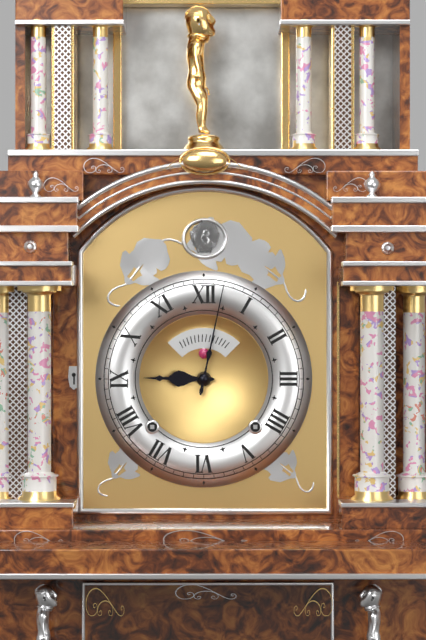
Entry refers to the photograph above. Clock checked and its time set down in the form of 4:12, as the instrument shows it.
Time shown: 9:02
